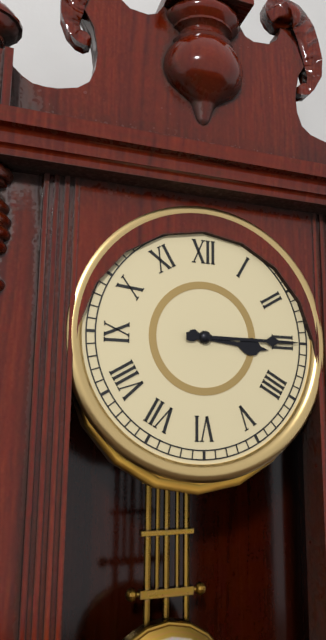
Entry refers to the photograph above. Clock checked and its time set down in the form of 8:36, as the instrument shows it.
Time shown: 3:15
